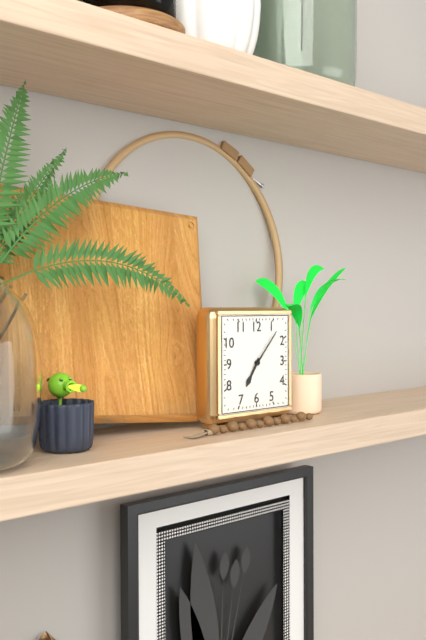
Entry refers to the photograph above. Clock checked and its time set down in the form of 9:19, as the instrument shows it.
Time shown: 7:07
